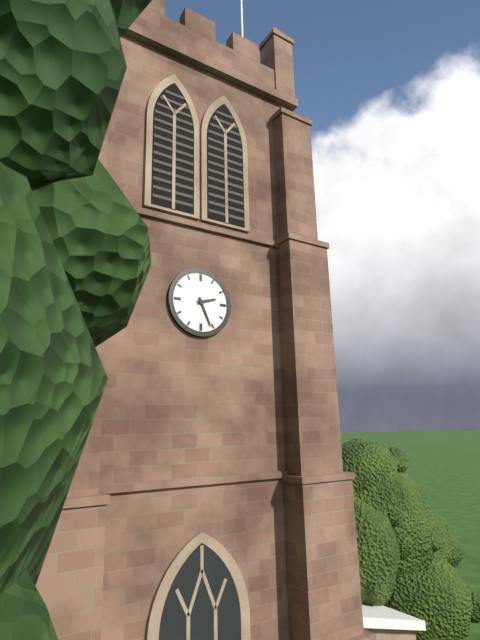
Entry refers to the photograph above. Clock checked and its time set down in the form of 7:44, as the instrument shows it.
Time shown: 2:26
